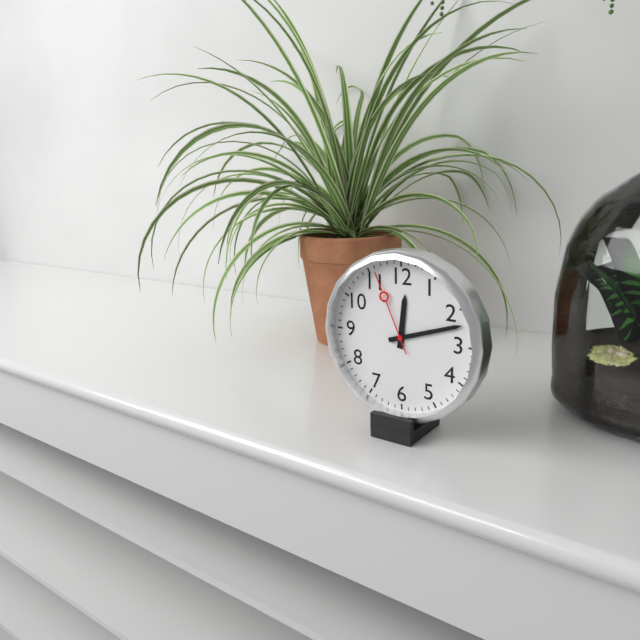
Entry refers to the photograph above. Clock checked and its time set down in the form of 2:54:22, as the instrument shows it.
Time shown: 12:12:56
